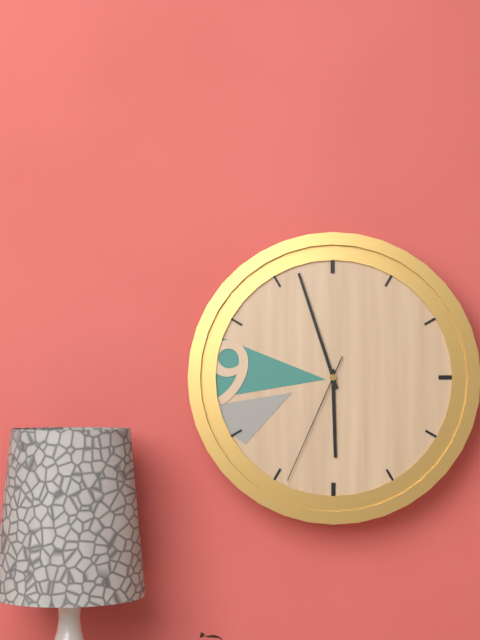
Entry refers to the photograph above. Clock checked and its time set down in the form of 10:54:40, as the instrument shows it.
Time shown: 5:57:34
